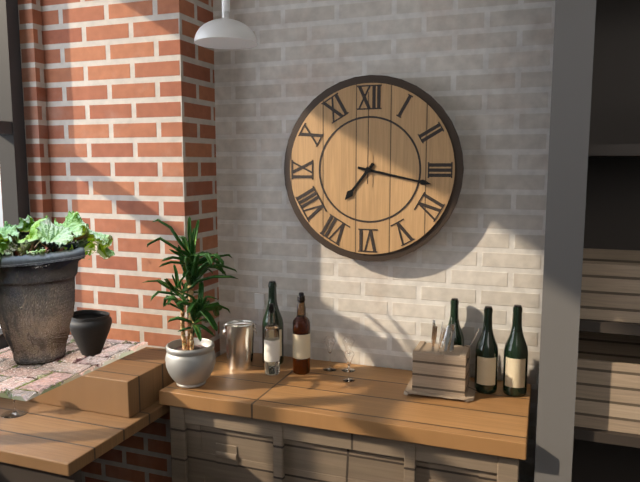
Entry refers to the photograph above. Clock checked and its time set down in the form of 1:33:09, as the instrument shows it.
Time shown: 7:17:00
